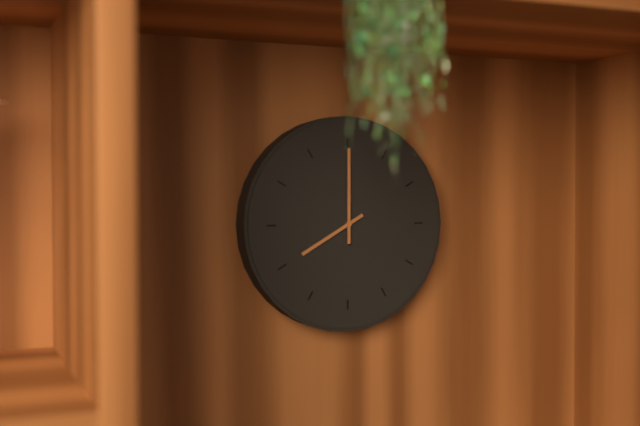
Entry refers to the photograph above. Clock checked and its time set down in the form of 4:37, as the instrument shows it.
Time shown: 8:00
